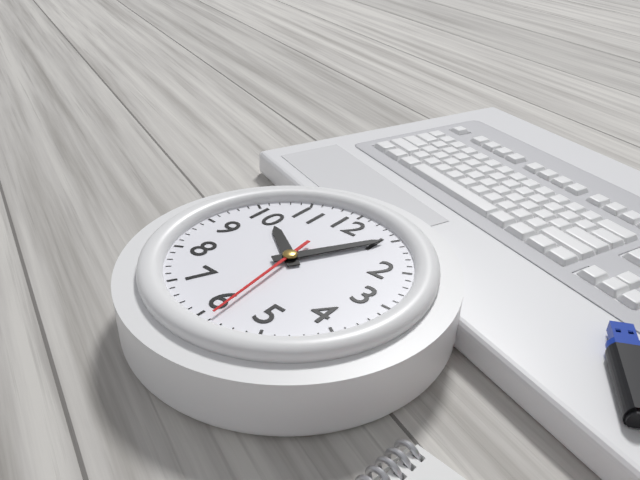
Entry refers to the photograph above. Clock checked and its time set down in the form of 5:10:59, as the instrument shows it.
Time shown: 10:05:29
